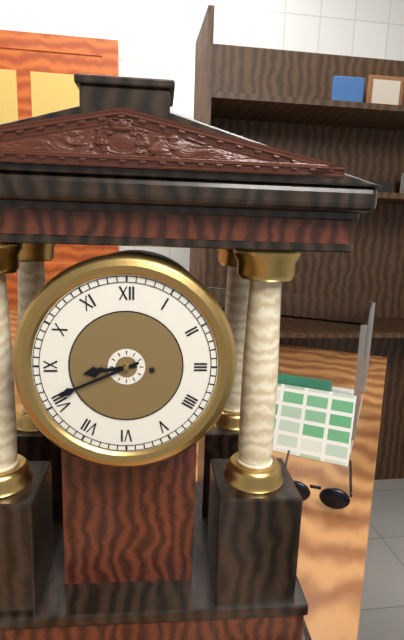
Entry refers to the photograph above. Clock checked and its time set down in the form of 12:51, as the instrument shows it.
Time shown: 8:41
